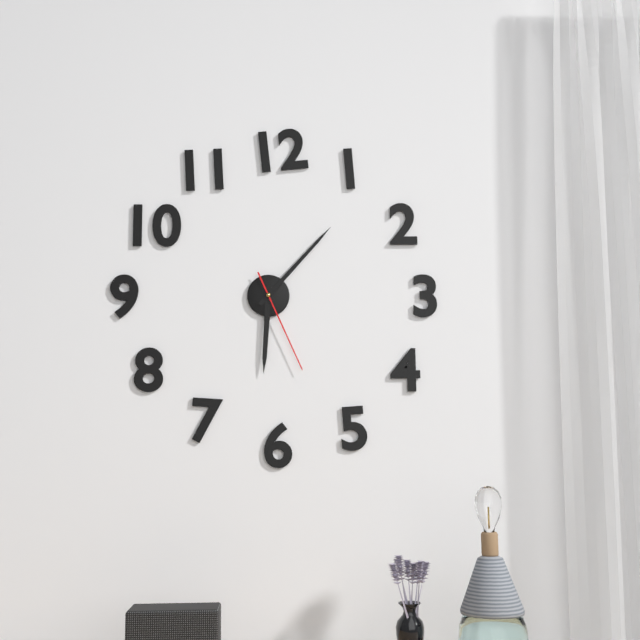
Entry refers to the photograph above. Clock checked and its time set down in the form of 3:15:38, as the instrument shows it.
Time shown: 6:07:26
